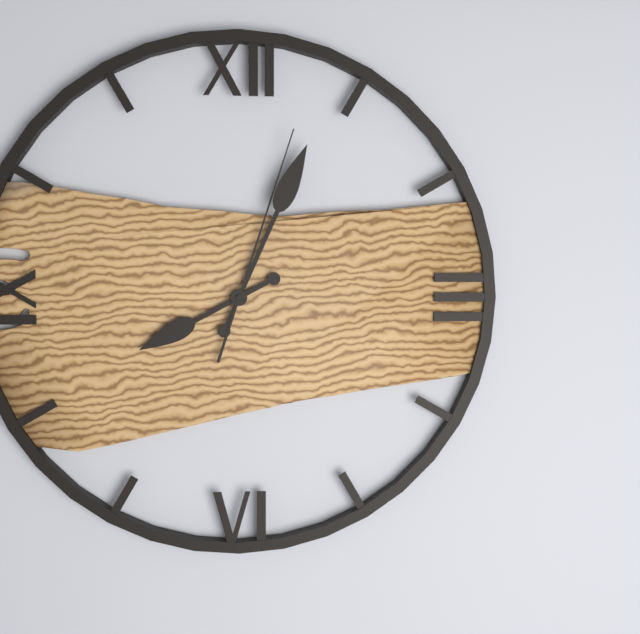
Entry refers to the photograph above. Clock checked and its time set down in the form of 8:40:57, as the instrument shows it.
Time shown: 8:04:03
